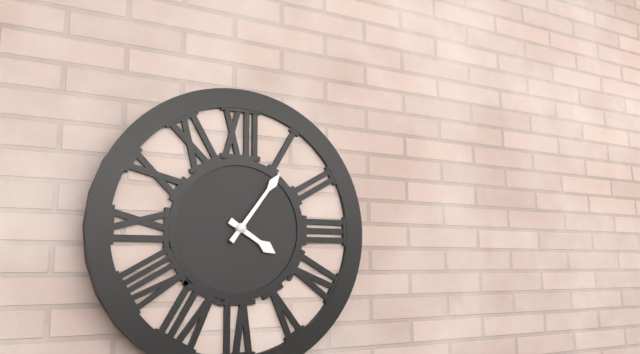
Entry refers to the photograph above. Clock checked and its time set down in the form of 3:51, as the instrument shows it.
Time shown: 4:06
